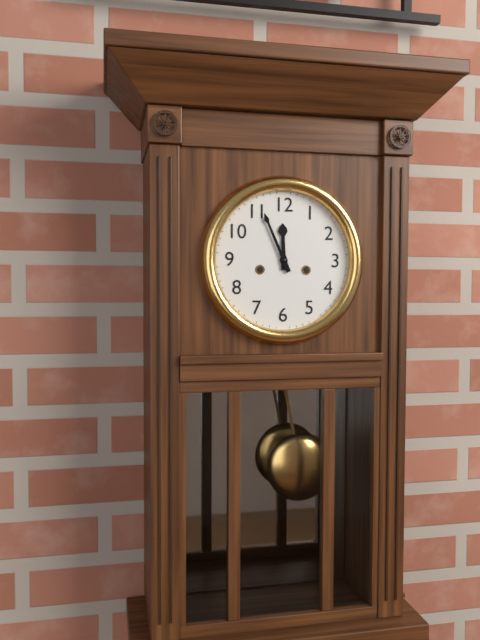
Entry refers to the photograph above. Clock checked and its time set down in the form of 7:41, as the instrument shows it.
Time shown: 11:56
